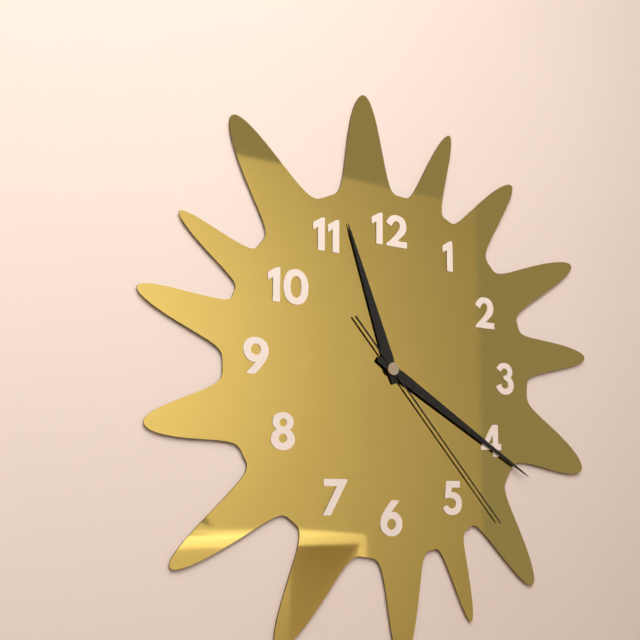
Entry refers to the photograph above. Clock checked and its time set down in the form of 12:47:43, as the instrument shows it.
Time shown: 11:20:23
